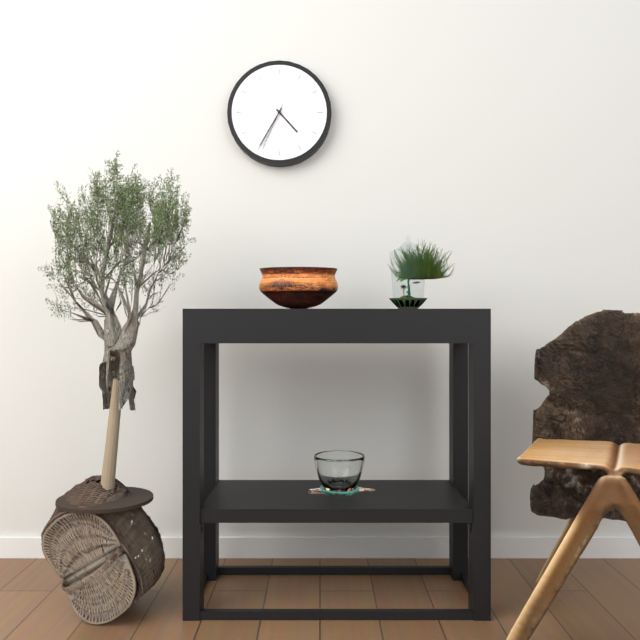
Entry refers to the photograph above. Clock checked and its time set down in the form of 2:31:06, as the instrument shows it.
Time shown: 4:35:34
